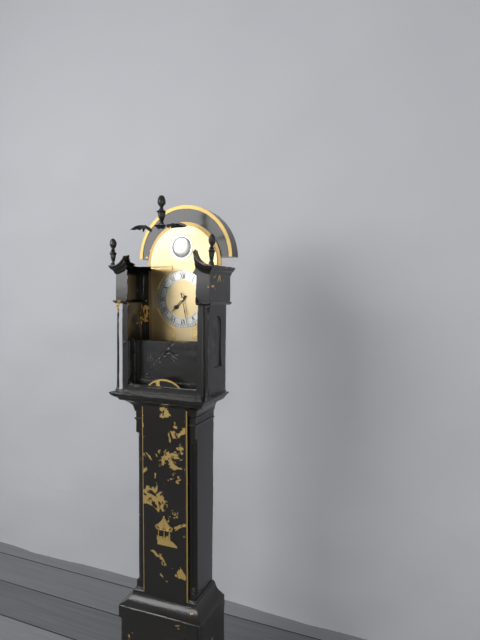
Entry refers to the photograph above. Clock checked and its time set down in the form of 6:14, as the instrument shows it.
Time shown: 7:28
